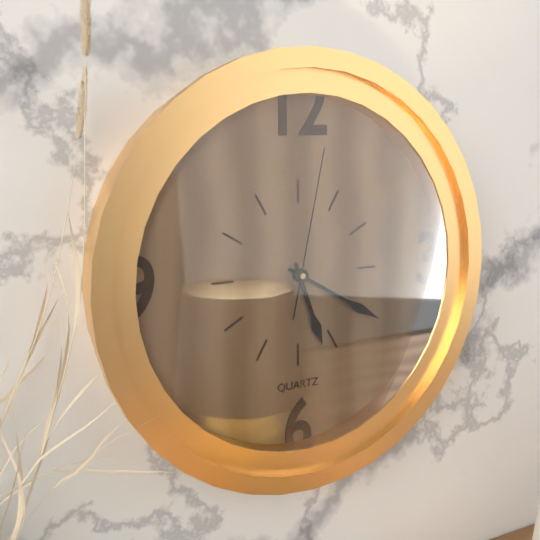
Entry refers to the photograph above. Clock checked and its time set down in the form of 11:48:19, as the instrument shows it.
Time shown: 5:20:02
